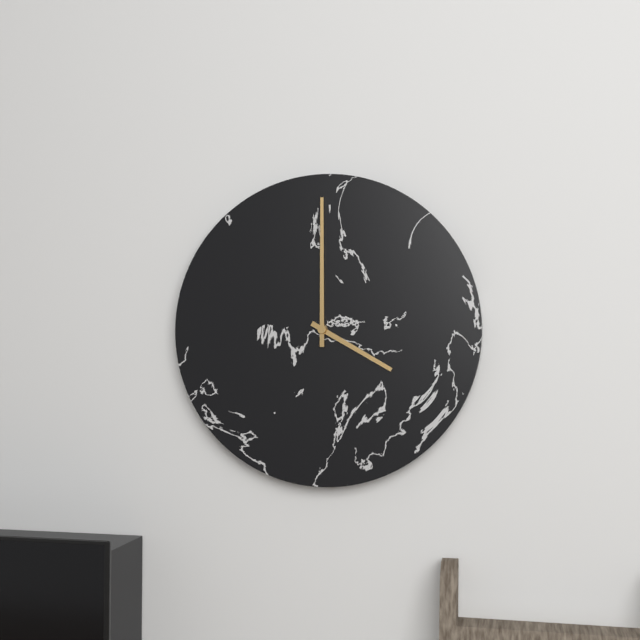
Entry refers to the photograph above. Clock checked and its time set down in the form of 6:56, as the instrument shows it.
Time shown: 4:00
